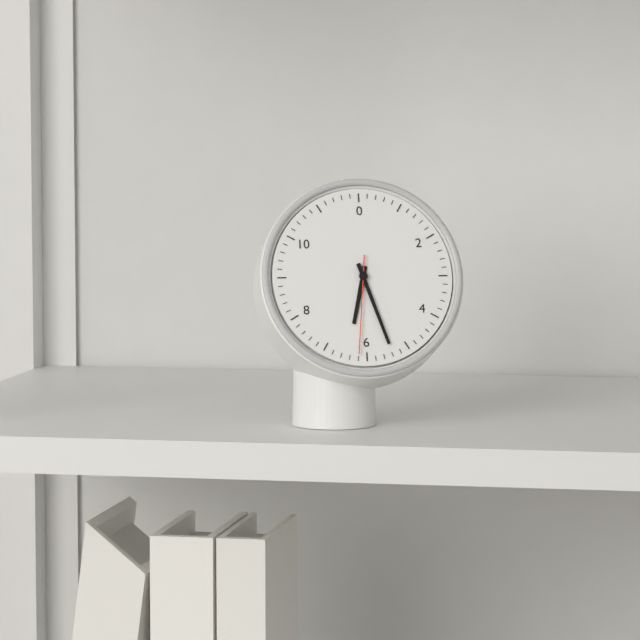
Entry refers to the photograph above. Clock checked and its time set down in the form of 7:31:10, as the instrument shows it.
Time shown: 6:27:31
